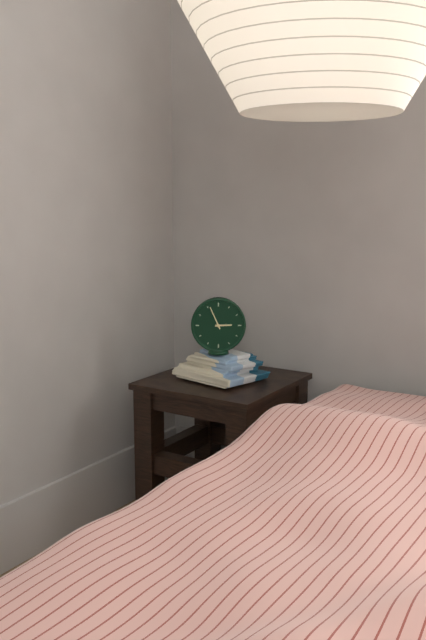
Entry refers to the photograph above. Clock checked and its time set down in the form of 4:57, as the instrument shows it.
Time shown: 2:56
